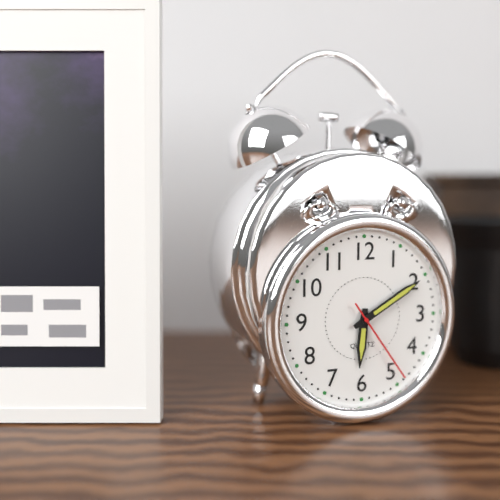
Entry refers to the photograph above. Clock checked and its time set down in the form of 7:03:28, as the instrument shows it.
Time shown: 6:10:24
